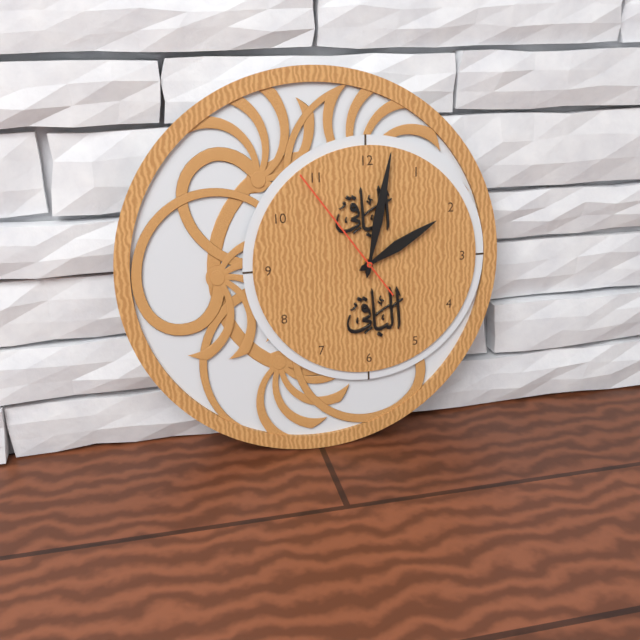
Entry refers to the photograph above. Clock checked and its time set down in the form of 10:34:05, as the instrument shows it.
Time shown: 2:02:54
